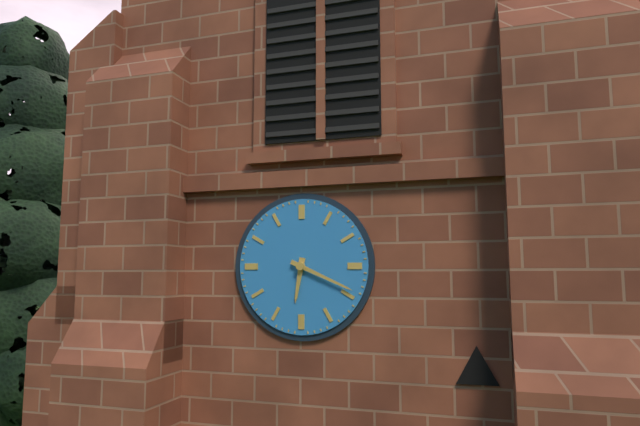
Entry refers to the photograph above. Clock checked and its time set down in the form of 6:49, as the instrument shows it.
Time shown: 6:19
